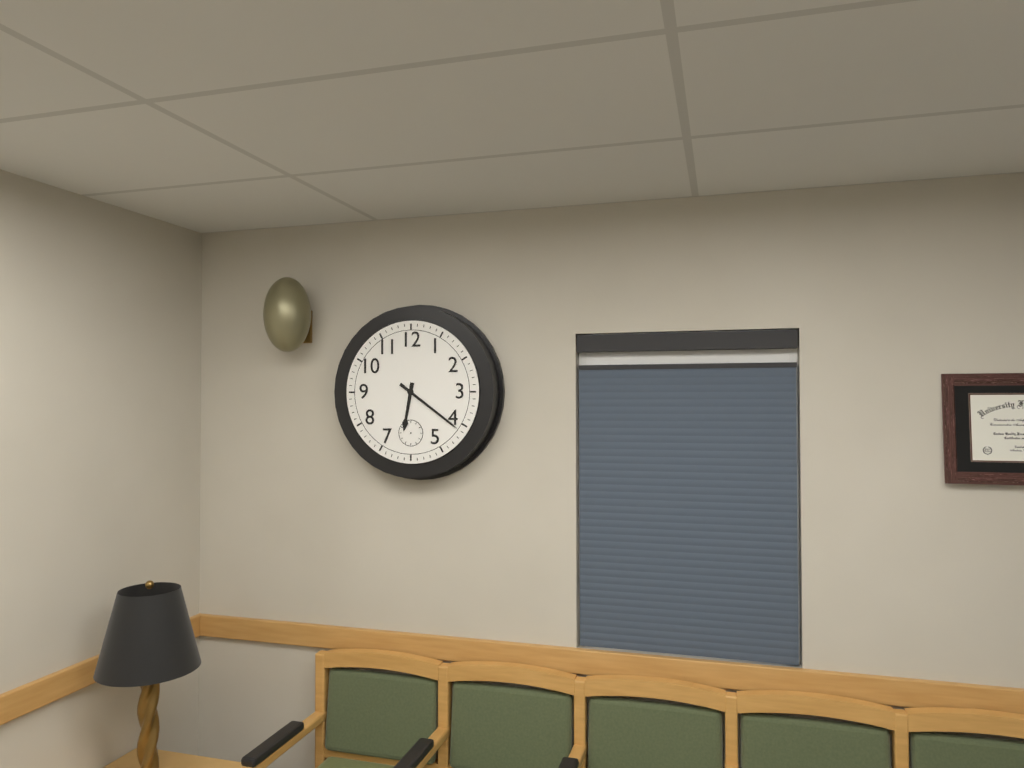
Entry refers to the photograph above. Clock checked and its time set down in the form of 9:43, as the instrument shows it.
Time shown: 6:21
